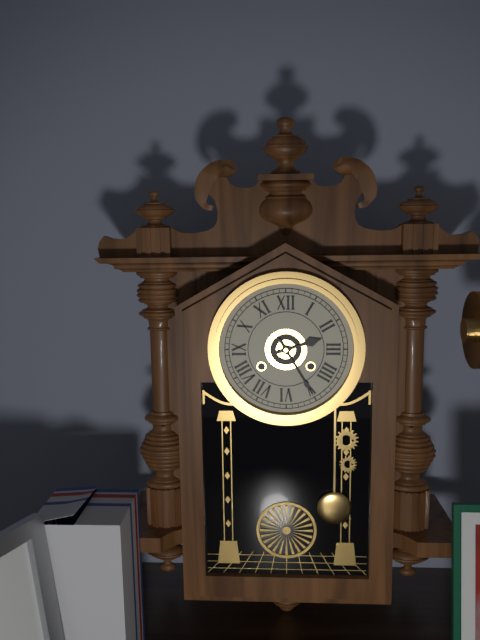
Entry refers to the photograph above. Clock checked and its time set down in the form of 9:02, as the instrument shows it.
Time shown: 2:25
